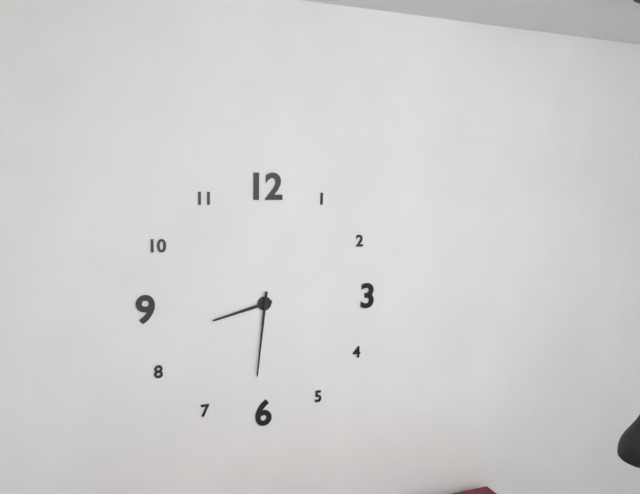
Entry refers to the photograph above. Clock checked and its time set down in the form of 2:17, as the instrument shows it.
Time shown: 8:31
